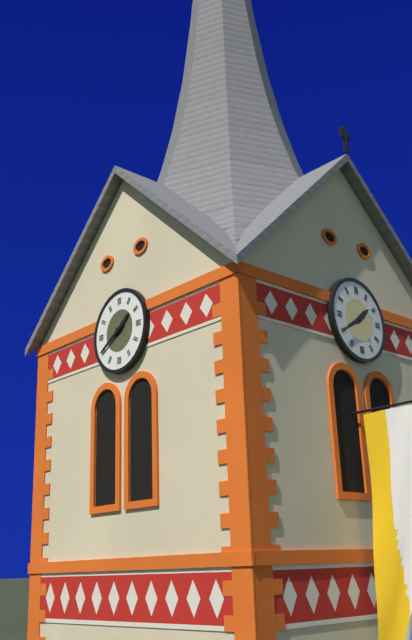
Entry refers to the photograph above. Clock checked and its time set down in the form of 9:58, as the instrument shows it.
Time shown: 1:40
